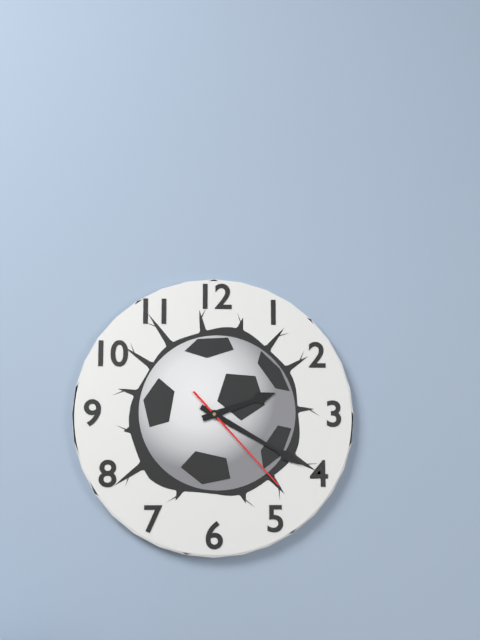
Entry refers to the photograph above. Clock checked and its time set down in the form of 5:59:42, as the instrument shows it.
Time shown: 2:20:23
